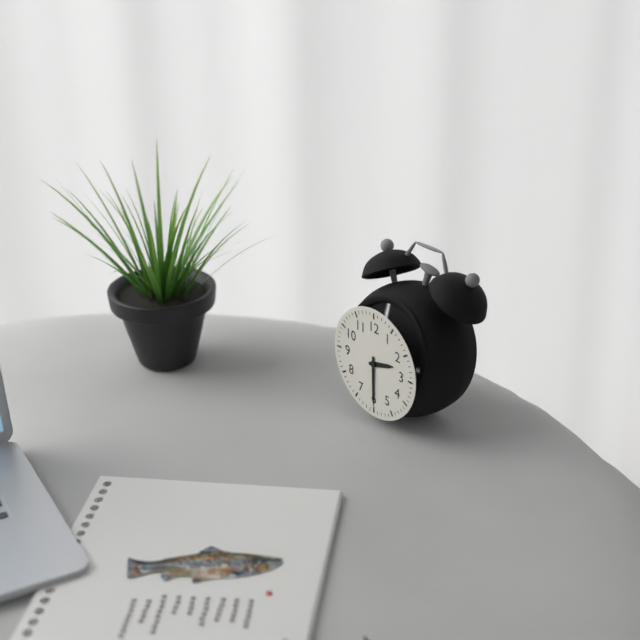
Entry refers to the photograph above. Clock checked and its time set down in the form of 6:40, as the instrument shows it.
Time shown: 2:30
